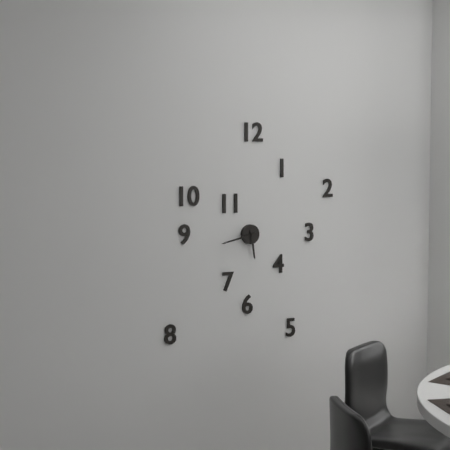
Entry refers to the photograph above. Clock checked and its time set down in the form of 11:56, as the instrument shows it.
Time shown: 5:43
